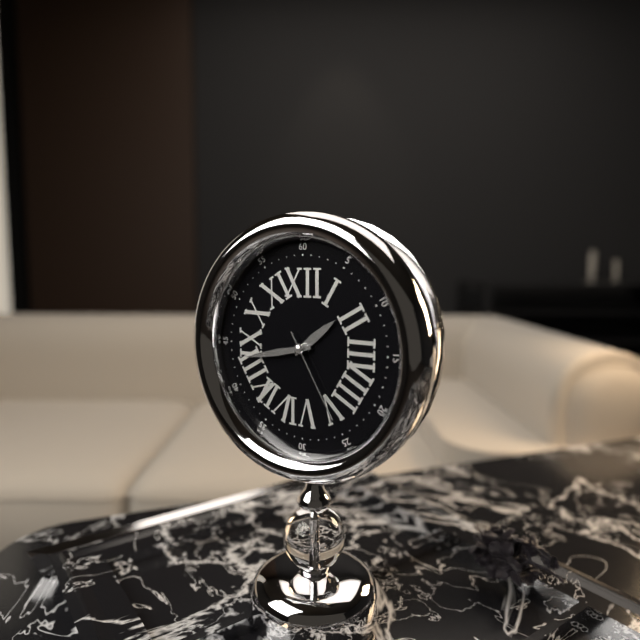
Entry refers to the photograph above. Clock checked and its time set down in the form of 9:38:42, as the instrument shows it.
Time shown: 1:43:25
